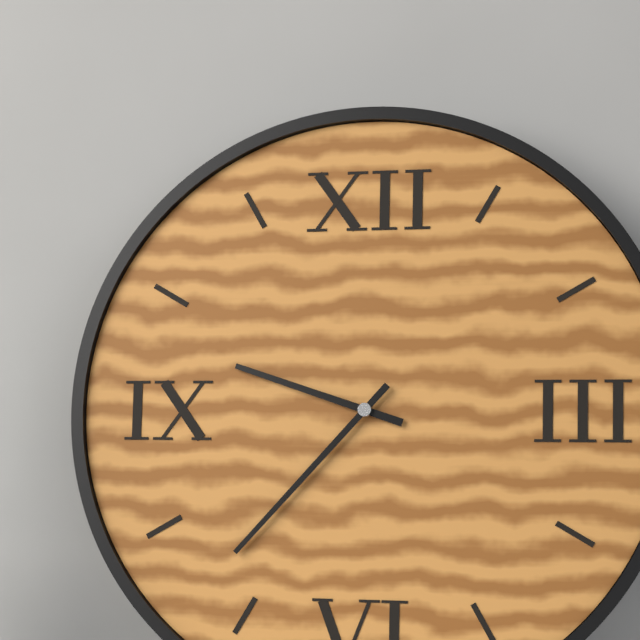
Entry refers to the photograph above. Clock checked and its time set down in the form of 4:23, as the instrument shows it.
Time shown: 9:37
